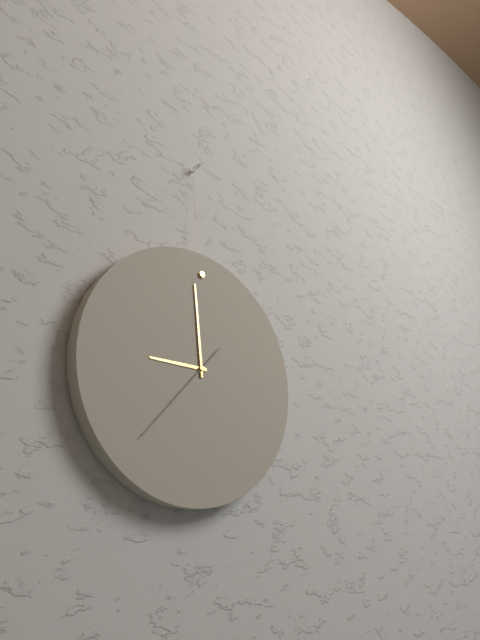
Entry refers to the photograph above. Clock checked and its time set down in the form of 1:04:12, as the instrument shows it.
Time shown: 8:59:37
